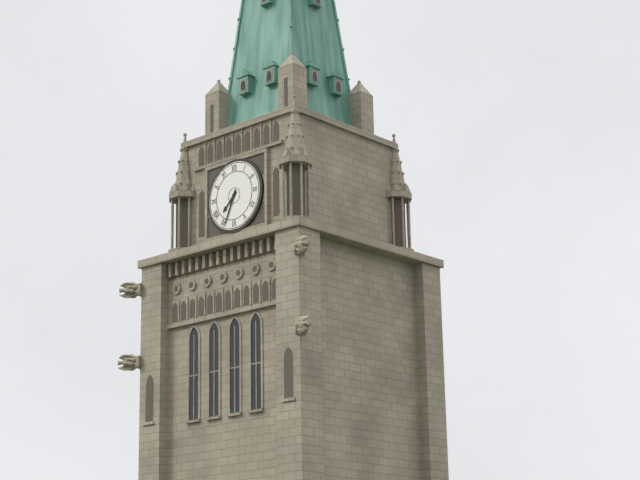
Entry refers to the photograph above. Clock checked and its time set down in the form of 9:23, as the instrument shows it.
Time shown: 7:34
